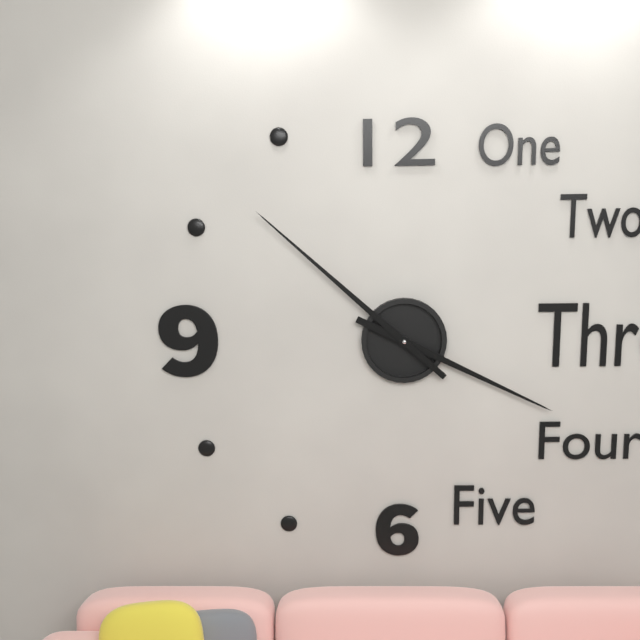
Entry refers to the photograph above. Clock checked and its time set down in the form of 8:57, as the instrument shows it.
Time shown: 3:52
